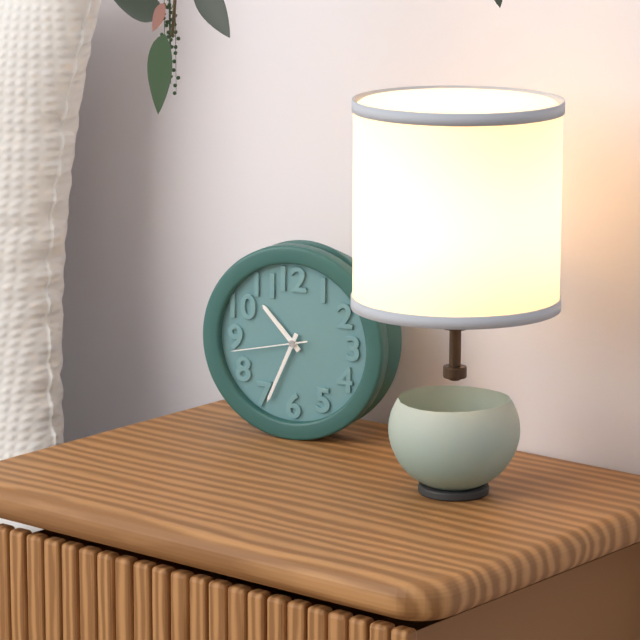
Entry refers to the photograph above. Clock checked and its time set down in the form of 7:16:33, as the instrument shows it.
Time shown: 10:34:43
